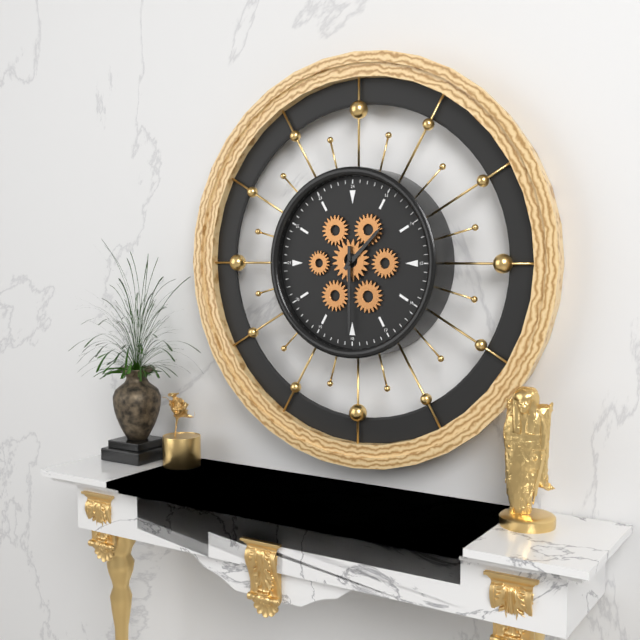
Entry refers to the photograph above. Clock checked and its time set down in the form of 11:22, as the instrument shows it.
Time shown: 1:30
